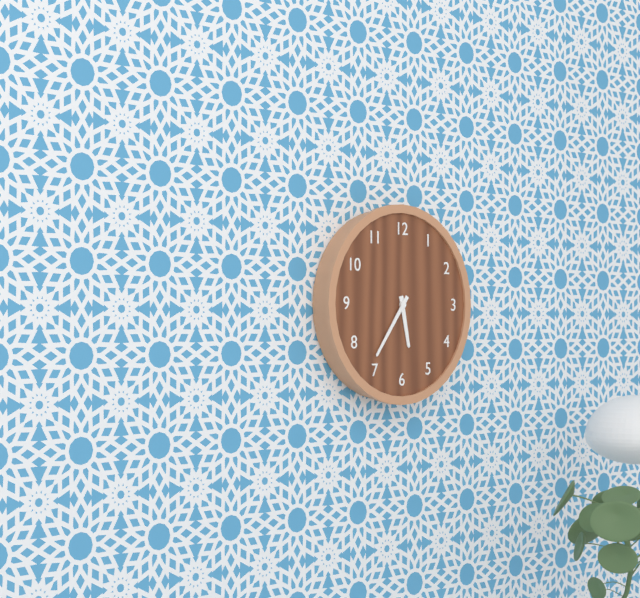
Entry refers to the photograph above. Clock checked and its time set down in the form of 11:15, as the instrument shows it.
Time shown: 5:36
